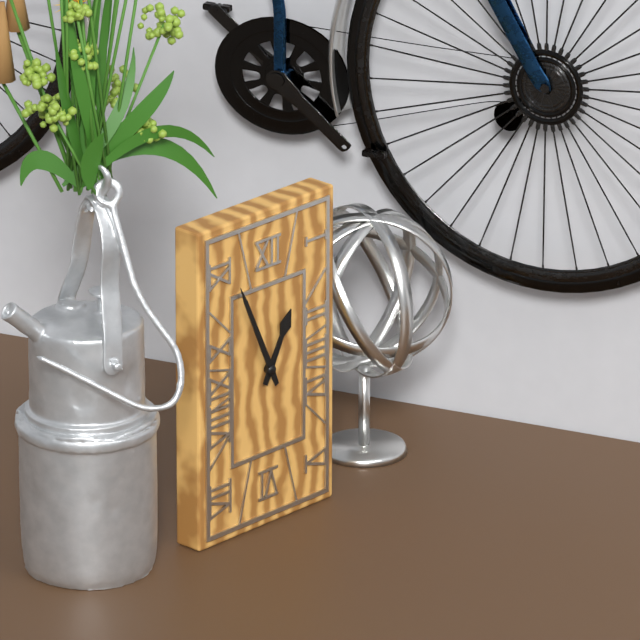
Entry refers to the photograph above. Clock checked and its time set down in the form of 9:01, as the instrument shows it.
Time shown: 12:56
